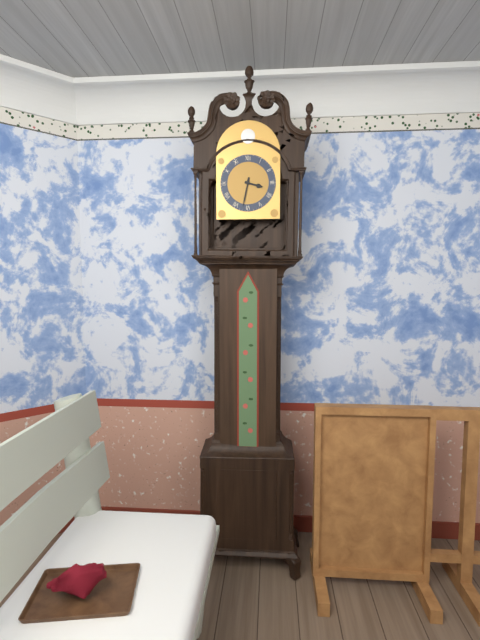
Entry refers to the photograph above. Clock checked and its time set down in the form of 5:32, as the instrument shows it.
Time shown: 3:32
